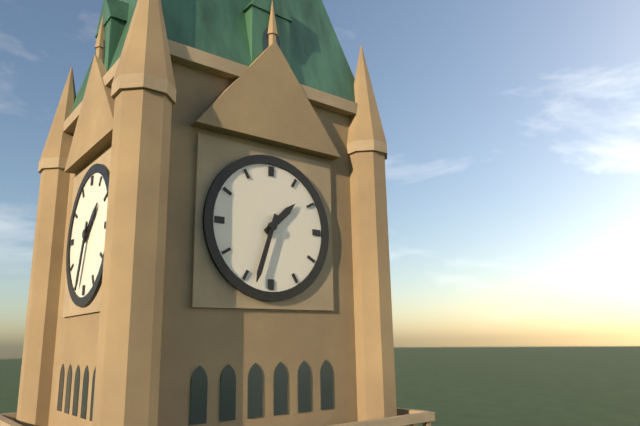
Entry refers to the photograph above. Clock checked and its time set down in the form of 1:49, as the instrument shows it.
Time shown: 1:33
